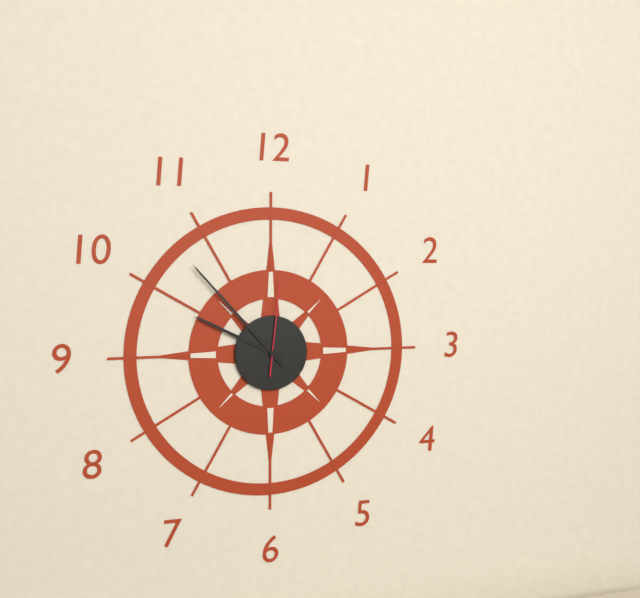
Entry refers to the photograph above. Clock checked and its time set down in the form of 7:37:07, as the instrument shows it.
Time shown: 9:53:01
